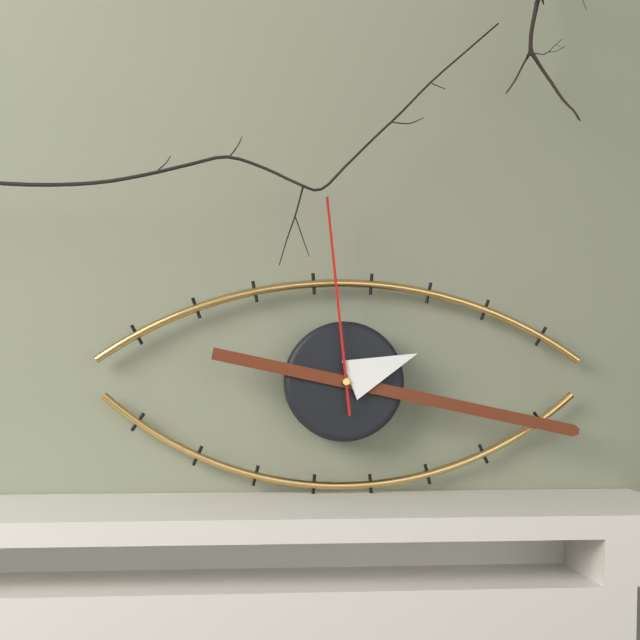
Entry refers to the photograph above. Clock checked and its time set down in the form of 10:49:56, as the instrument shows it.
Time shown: 2:17:59
